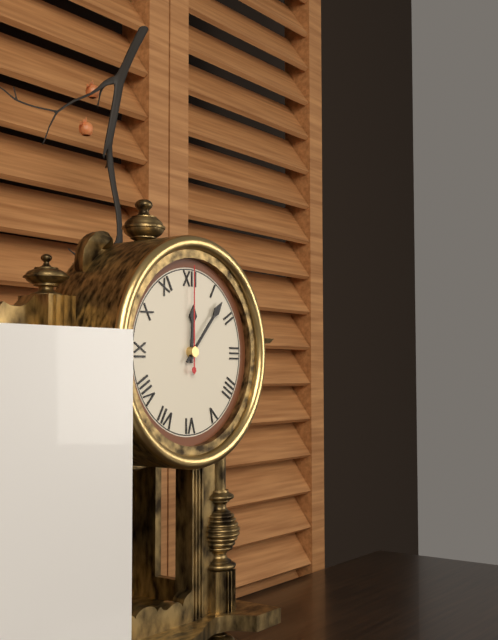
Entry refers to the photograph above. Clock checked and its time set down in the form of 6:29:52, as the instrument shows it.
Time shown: 12:07:00
